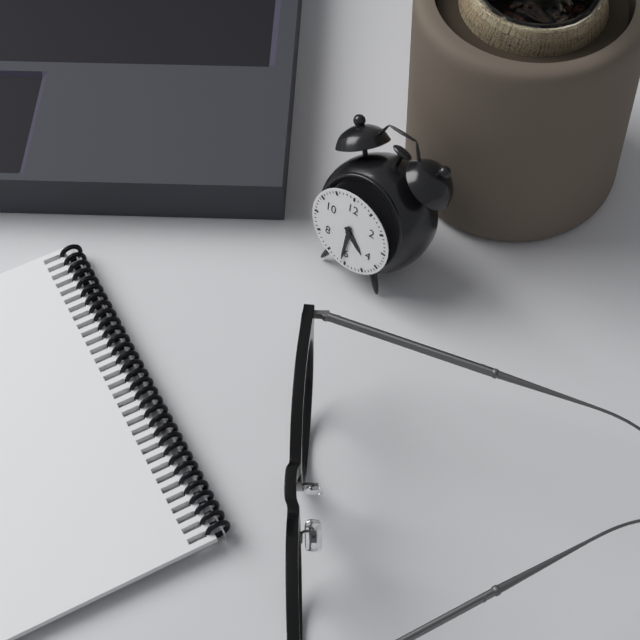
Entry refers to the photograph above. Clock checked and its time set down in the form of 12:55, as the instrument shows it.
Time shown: 4:31
